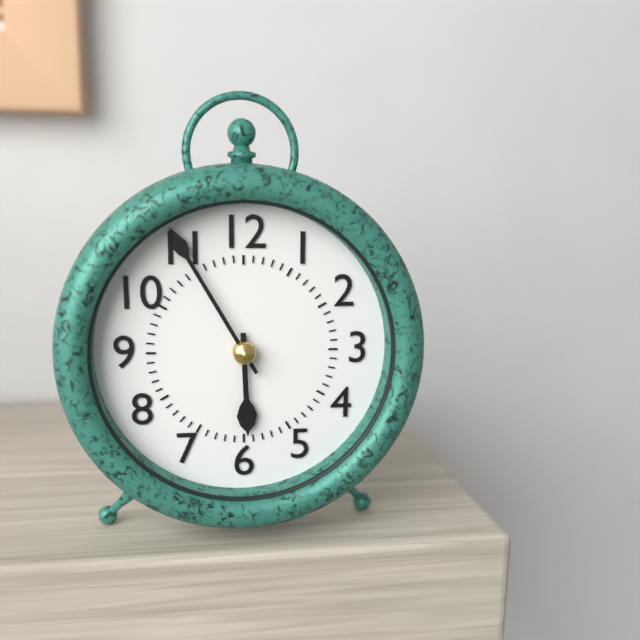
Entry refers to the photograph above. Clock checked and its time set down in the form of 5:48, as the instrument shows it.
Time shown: 5:55
